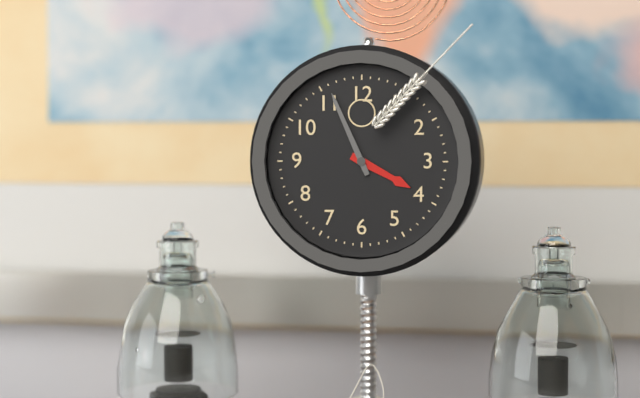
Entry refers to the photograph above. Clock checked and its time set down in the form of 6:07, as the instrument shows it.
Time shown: 3:56
